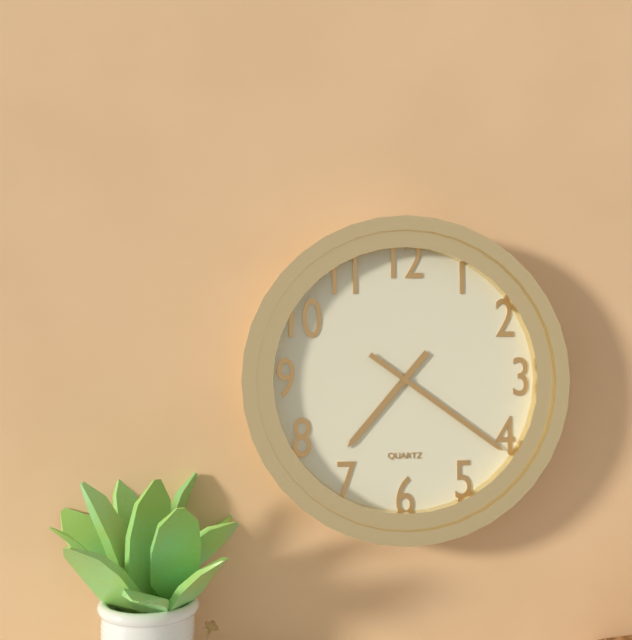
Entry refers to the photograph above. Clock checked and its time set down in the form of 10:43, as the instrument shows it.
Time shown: 7:21
